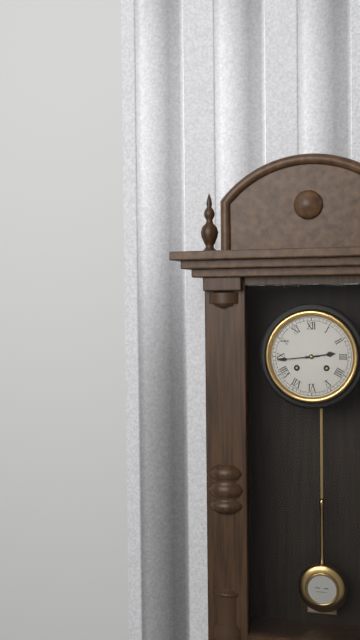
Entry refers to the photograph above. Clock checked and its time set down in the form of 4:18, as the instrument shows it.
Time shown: 2:44
